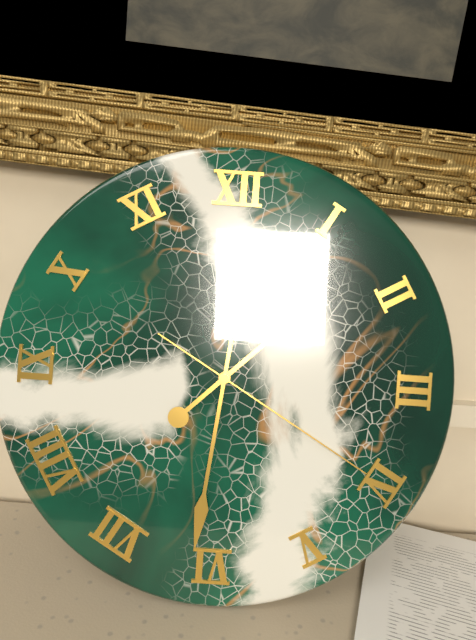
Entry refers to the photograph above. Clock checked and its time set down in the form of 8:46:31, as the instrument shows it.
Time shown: 1:31:20
